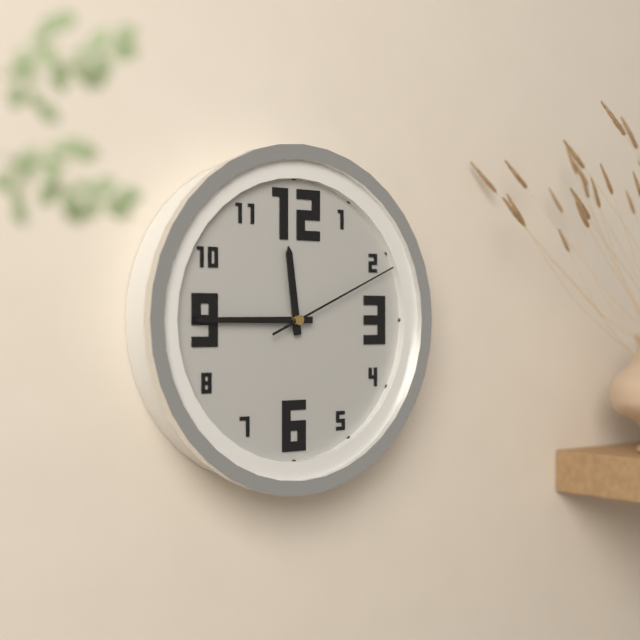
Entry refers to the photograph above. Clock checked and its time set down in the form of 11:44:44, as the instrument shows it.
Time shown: 11:45:11
